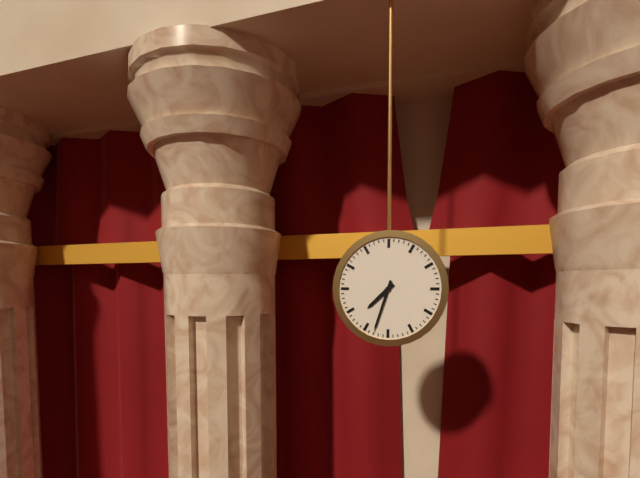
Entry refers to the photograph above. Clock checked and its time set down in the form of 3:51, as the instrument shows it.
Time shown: 7:33
